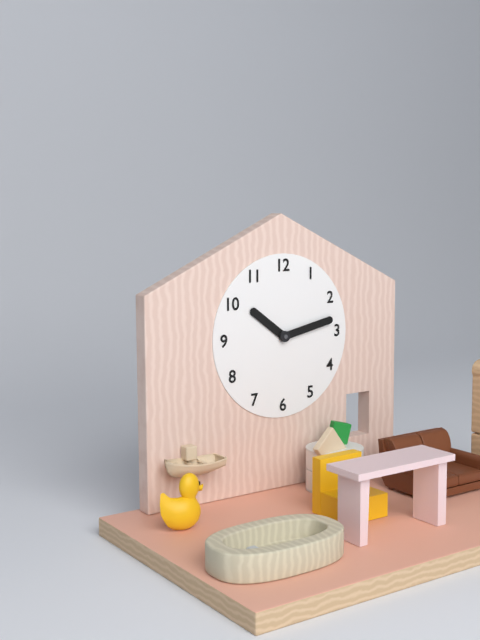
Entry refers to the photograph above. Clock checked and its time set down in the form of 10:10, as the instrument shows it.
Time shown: 10:13
